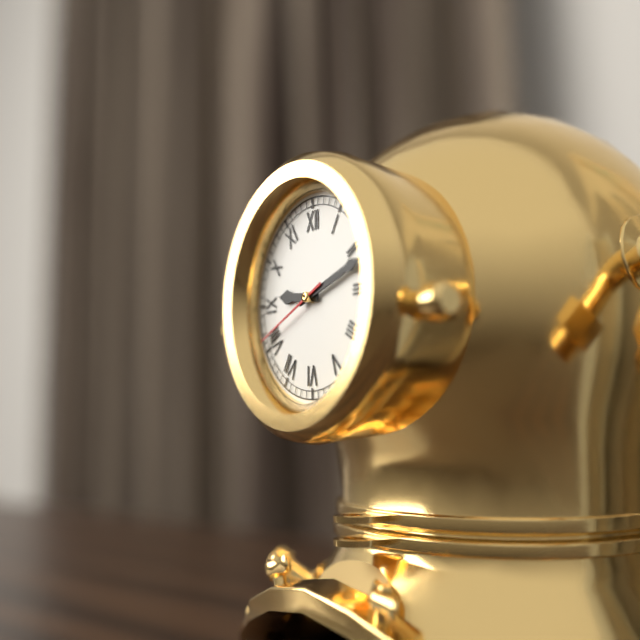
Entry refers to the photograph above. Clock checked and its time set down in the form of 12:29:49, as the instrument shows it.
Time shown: 9:12:41
